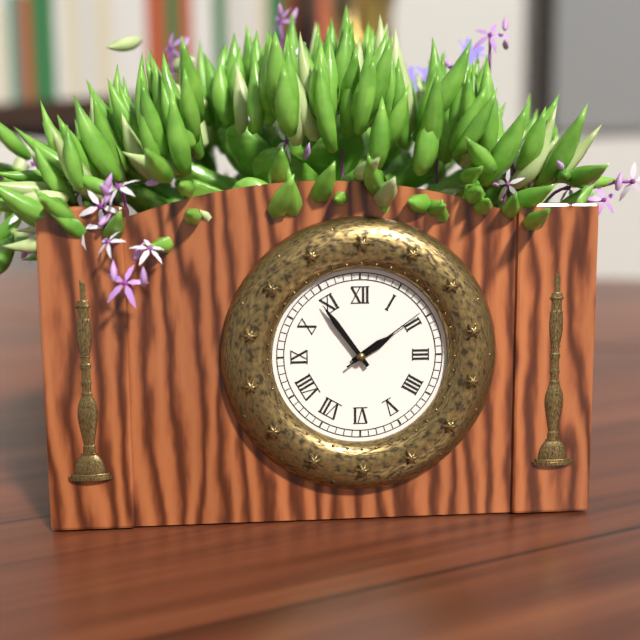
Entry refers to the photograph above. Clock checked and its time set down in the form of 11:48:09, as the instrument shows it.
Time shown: 1:54:09
